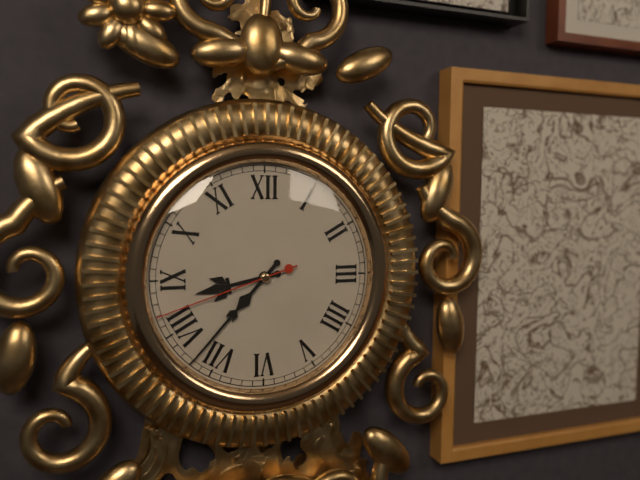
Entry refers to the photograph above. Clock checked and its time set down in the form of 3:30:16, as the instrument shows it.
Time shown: 8:37:42
